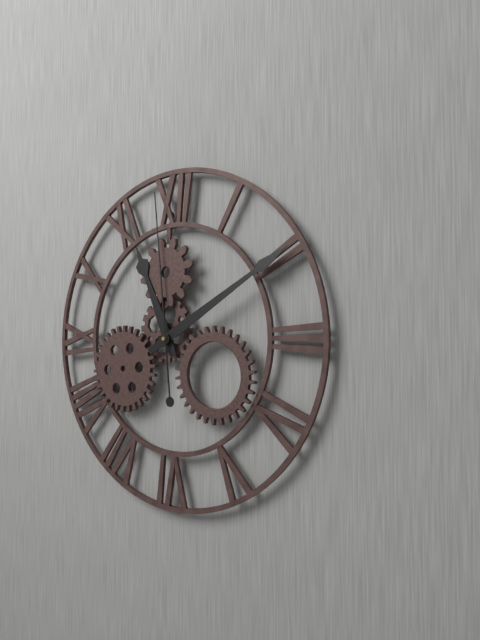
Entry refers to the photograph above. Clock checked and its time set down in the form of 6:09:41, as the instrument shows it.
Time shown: 11:10:59
